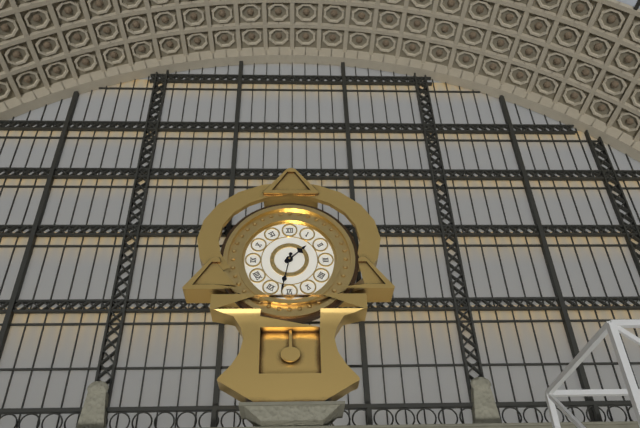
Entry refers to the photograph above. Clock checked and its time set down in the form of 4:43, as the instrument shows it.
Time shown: 1:32
